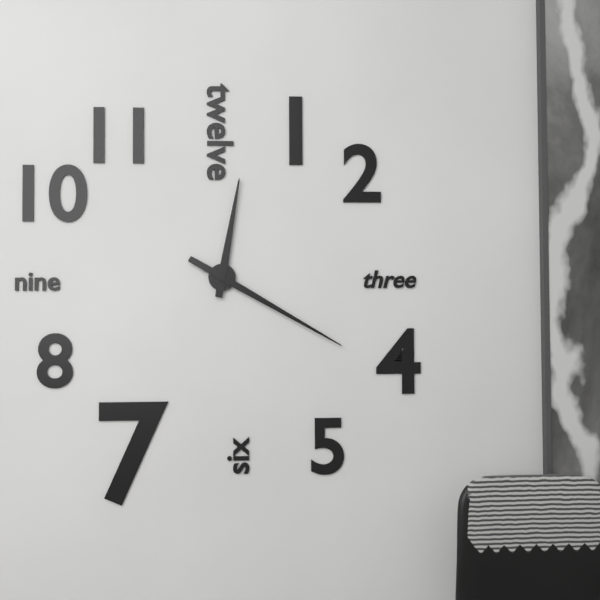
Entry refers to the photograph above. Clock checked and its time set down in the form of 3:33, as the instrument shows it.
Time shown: 12:20
